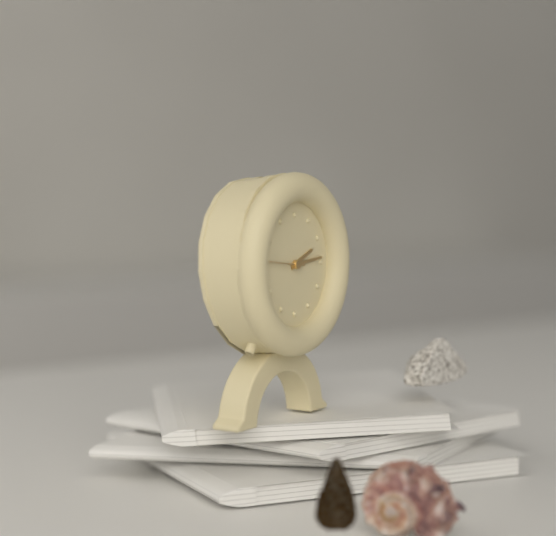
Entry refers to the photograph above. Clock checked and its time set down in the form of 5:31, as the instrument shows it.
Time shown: 2:14
